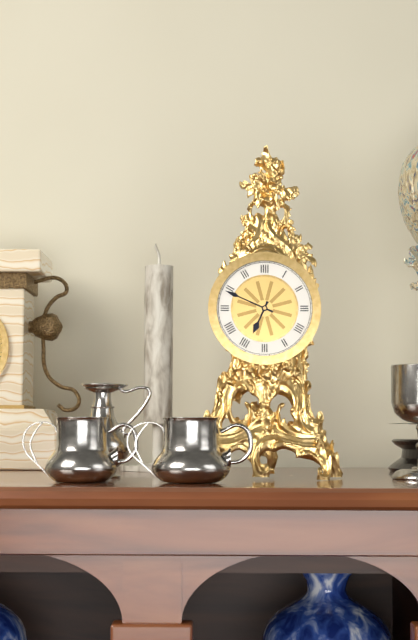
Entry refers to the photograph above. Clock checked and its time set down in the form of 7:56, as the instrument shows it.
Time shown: 6:49
